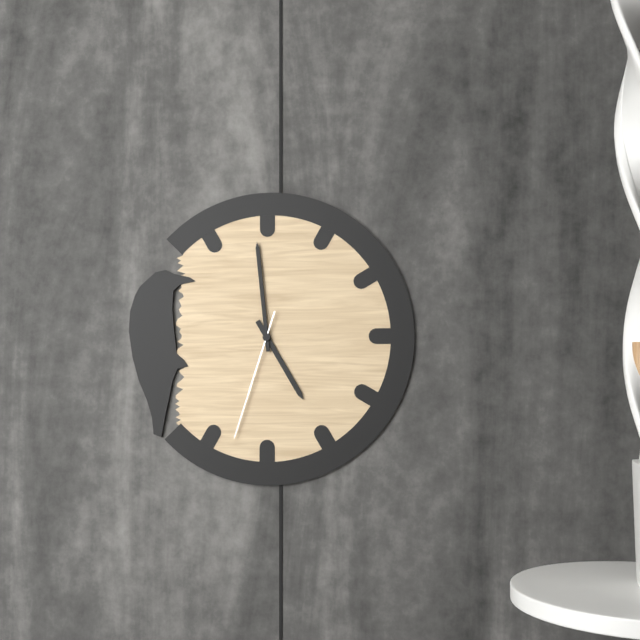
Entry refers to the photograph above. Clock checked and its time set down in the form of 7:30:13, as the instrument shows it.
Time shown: 4:59:33
